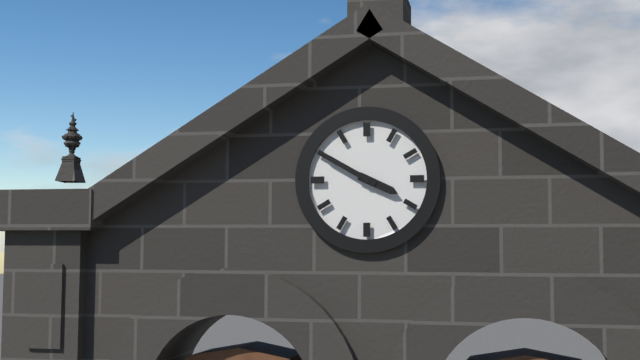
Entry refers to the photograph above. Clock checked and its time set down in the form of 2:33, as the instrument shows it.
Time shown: 3:50
